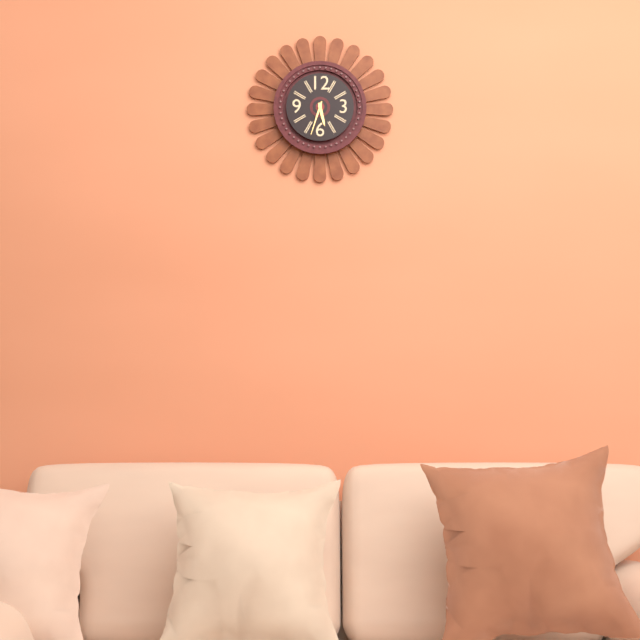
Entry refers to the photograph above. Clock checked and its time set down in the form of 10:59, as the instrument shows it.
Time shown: 5:33
